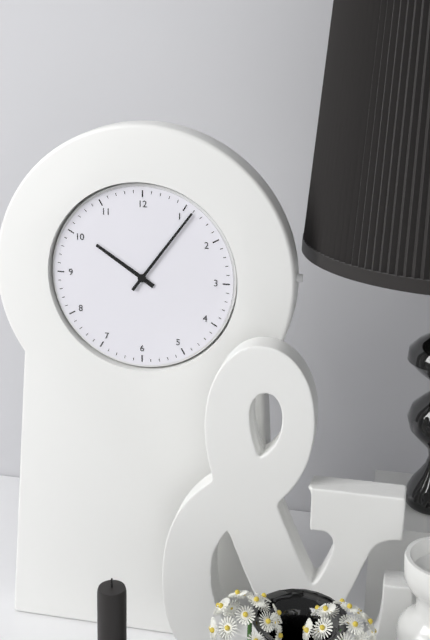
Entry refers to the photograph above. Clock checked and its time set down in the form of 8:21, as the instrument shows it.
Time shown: 10:06
